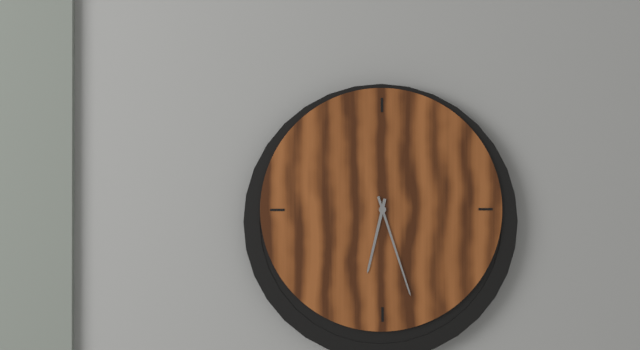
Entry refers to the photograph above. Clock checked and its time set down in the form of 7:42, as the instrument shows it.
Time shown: 6:27
